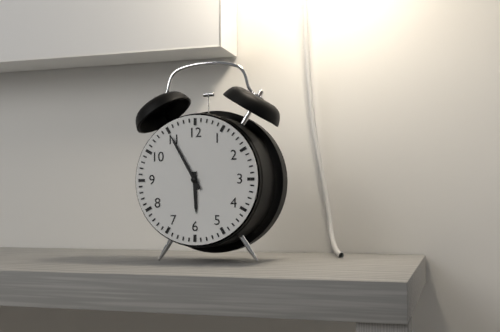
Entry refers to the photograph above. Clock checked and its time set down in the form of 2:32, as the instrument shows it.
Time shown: 5:55
